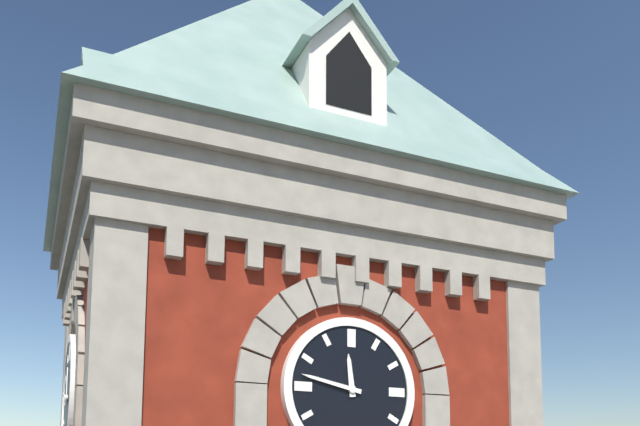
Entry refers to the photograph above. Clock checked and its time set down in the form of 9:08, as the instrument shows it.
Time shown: 11:47
